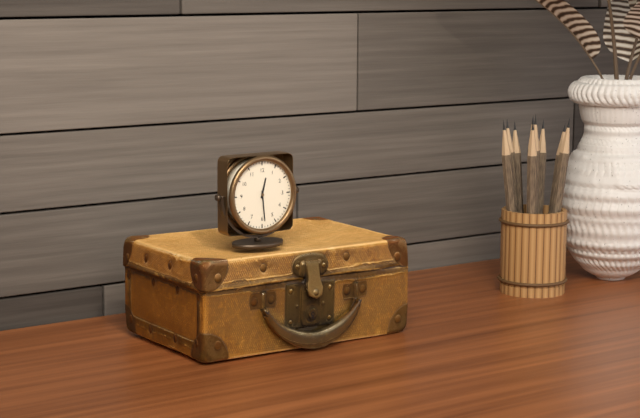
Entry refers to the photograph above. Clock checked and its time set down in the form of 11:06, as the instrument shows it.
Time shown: 12:29
